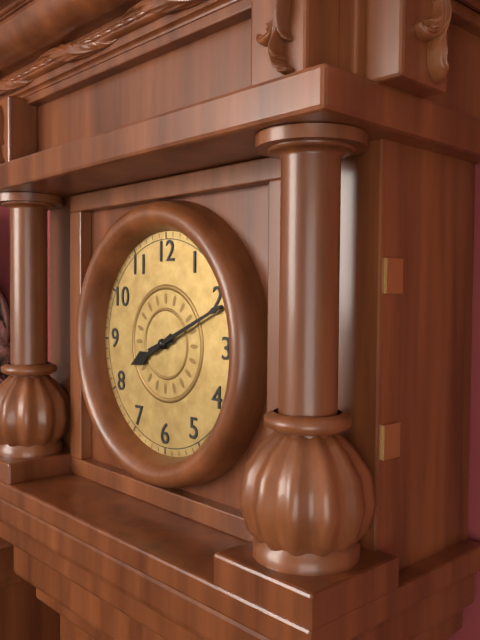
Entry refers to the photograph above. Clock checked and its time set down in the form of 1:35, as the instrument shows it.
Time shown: 8:11
